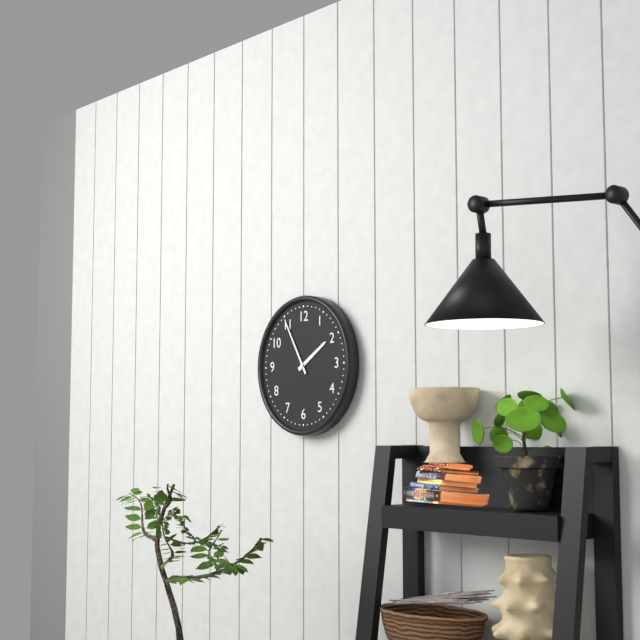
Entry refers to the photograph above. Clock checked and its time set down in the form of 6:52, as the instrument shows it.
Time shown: 1:55
